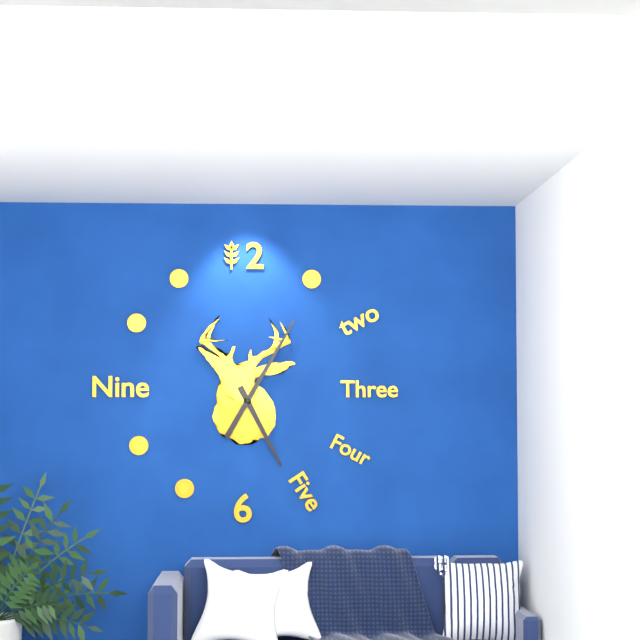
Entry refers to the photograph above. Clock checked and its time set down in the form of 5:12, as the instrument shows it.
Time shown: 5:05
